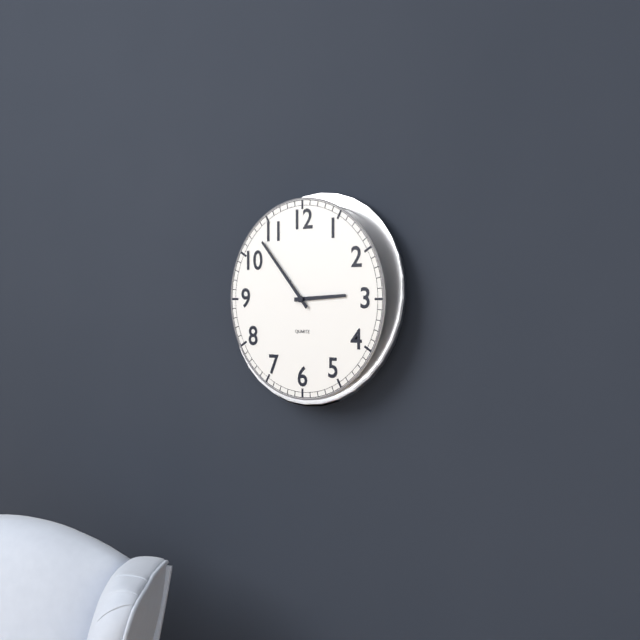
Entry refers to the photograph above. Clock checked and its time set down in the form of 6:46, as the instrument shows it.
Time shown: 2:53
